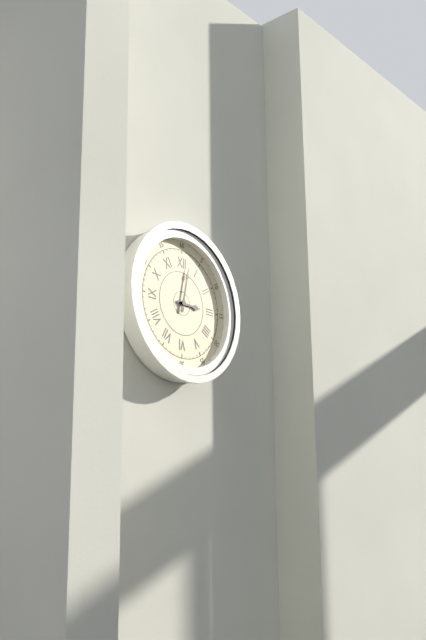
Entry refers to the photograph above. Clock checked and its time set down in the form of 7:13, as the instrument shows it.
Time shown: 3:02
